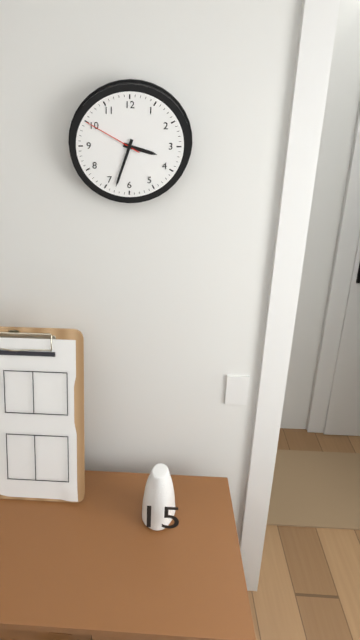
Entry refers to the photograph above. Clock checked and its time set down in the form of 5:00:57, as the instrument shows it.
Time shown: 3:33:50
